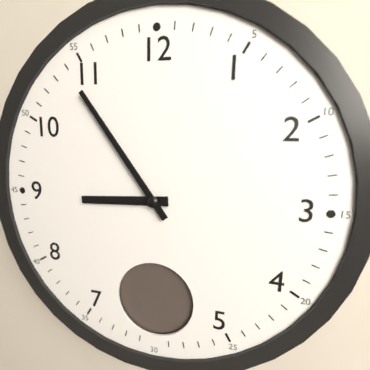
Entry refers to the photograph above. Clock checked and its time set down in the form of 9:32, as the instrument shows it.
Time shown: 8:54
